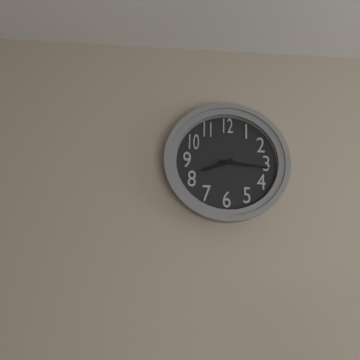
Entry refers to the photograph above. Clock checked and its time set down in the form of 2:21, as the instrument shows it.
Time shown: 8:16
